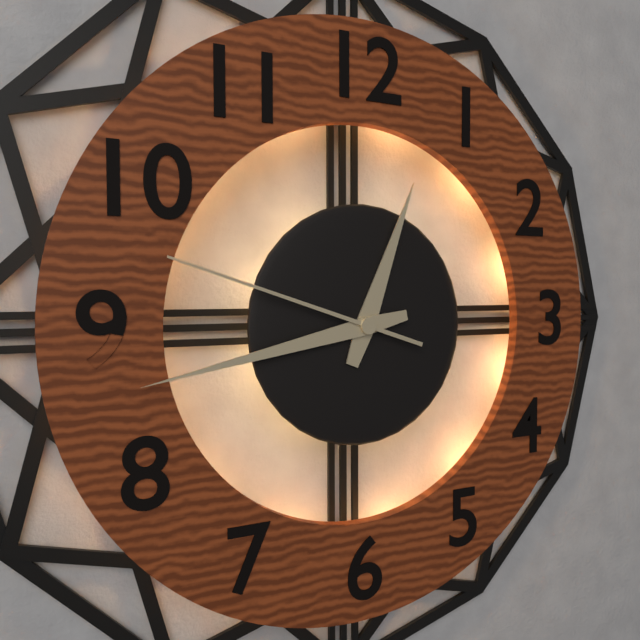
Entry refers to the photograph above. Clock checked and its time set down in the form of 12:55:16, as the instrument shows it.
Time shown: 12:43:48
